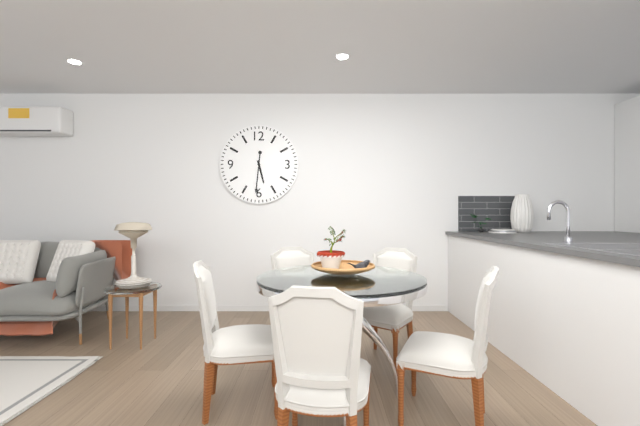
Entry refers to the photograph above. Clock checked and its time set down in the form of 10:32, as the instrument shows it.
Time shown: 5:31
